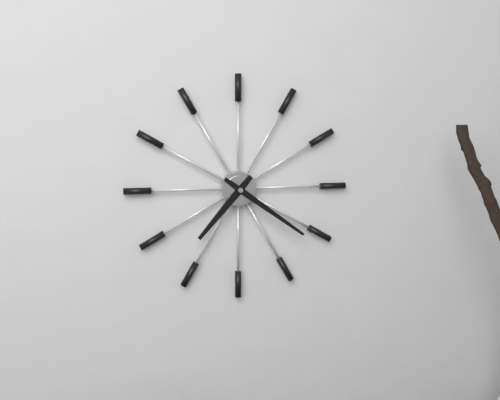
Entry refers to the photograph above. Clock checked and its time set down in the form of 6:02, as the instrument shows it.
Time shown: 7:21
